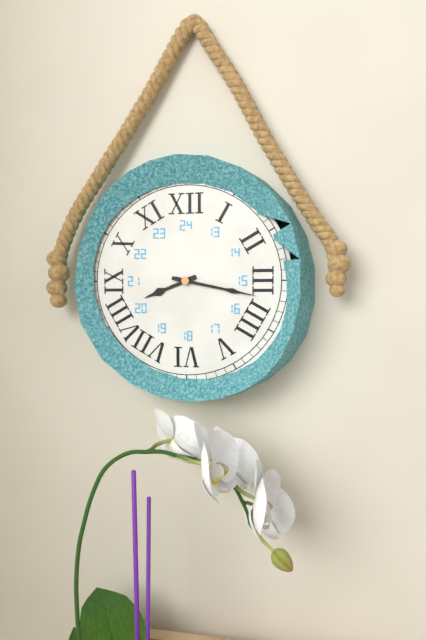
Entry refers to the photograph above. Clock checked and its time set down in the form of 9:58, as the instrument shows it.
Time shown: 8:17
